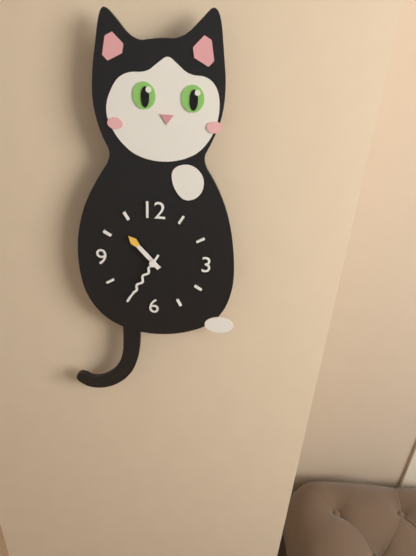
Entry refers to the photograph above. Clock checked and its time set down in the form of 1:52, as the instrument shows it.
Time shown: 10:35
